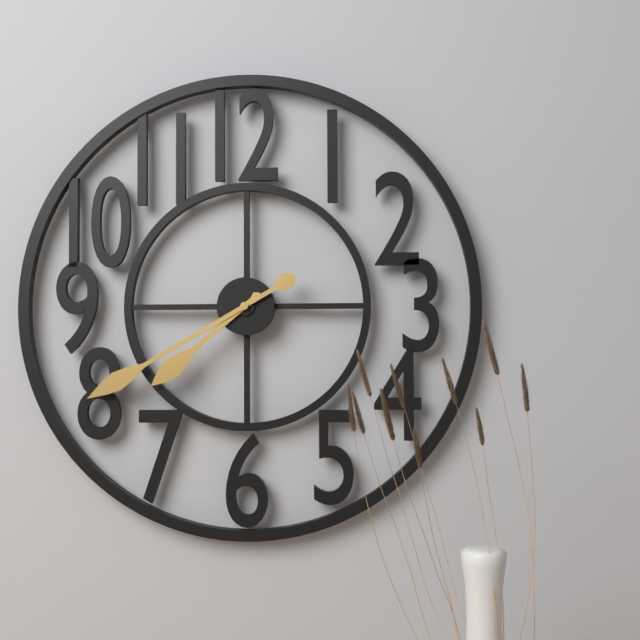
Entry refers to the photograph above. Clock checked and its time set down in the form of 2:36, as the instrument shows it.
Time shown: 7:40
